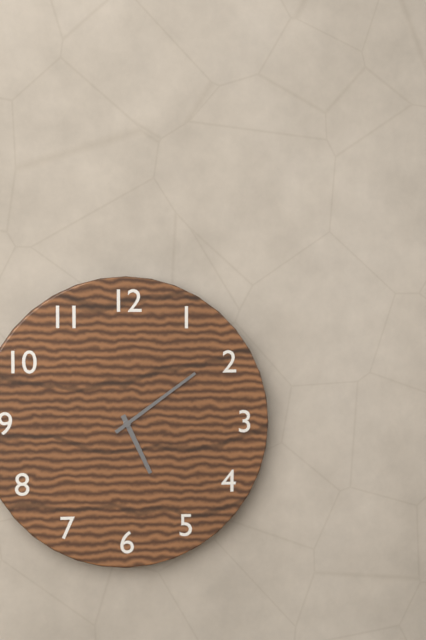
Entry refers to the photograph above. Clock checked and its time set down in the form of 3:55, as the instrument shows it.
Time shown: 5:09
